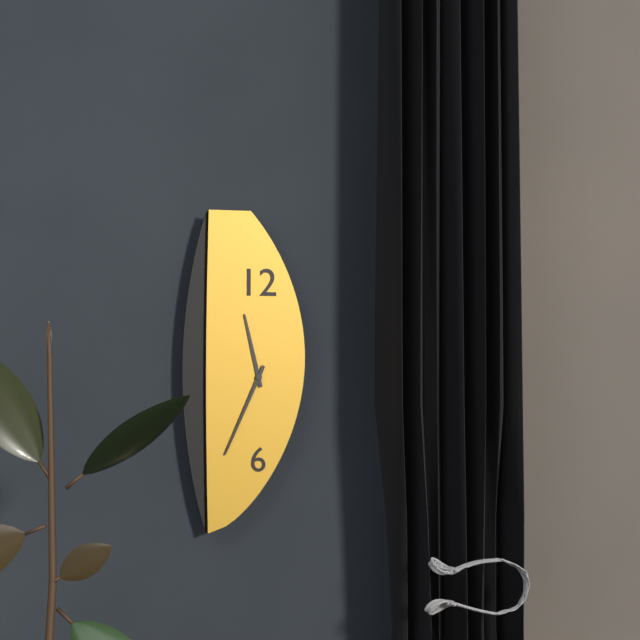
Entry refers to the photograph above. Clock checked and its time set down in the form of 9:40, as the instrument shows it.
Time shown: 11:34
